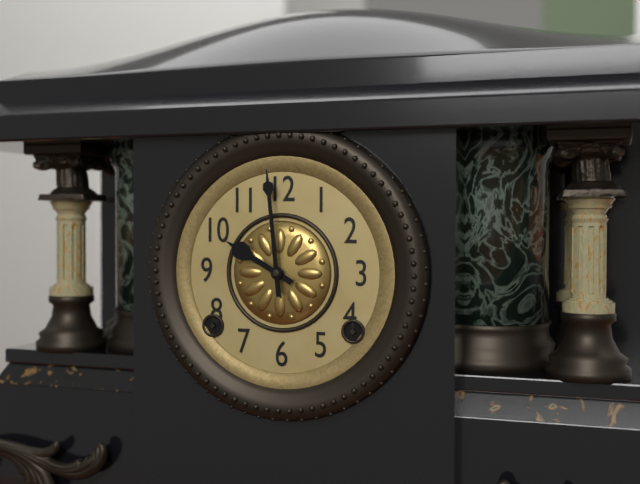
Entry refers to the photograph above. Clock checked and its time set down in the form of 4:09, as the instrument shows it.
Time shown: 9:59
